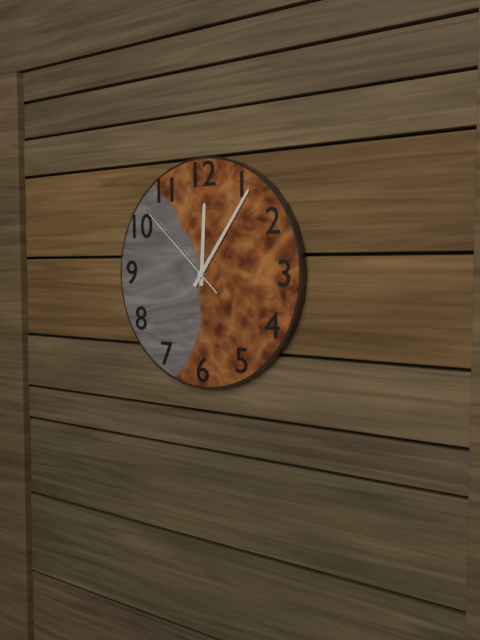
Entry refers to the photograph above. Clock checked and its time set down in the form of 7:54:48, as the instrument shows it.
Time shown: 12:06:52
